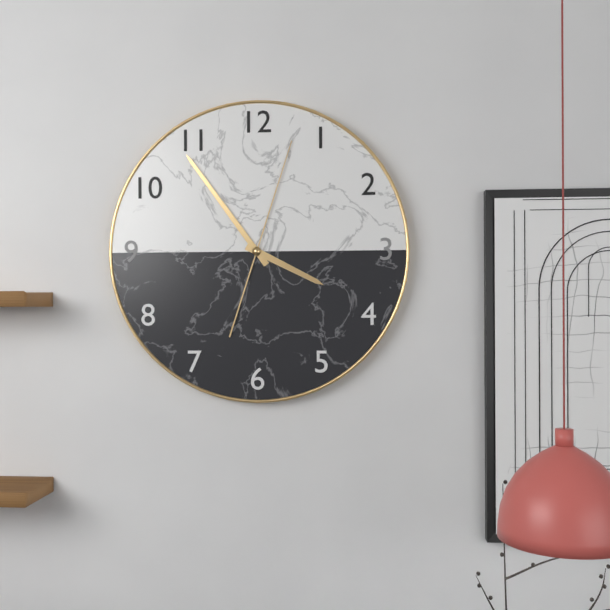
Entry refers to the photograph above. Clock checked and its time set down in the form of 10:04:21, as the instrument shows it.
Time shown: 3:54:03
